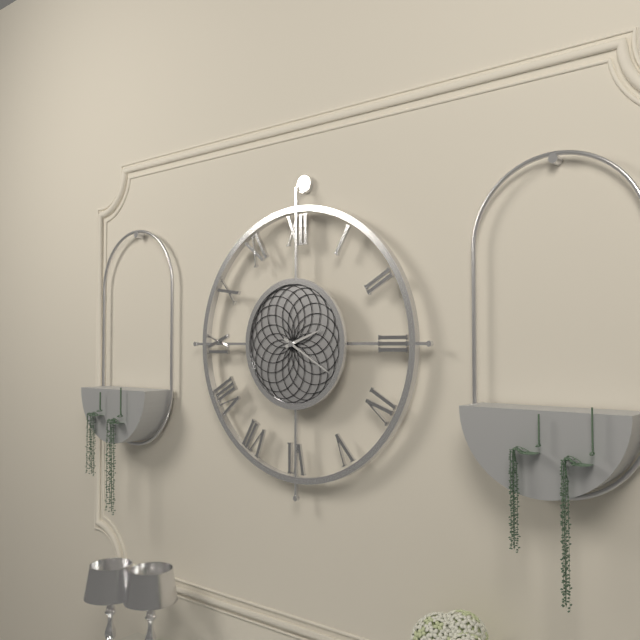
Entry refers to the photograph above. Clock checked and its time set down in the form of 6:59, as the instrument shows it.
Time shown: 2:20
